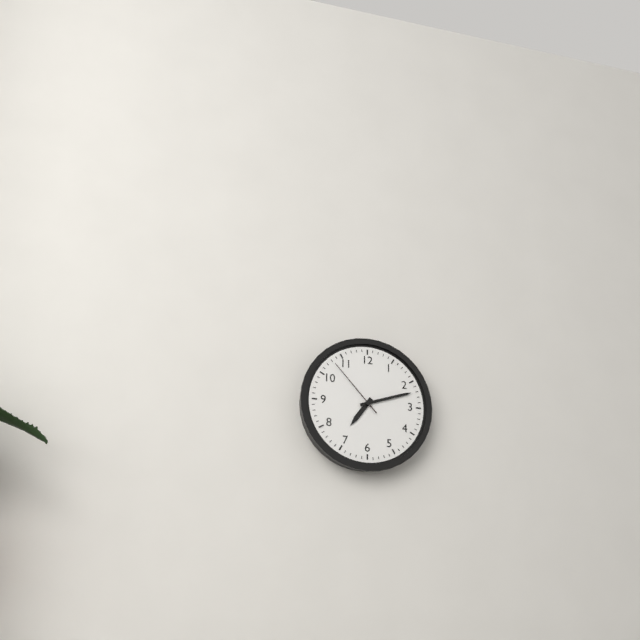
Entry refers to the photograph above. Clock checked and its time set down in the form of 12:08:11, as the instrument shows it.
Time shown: 7:12:53
